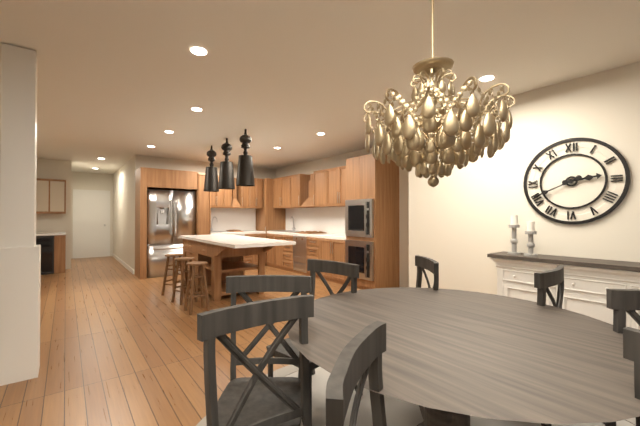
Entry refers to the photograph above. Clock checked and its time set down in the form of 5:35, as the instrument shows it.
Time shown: 2:41
